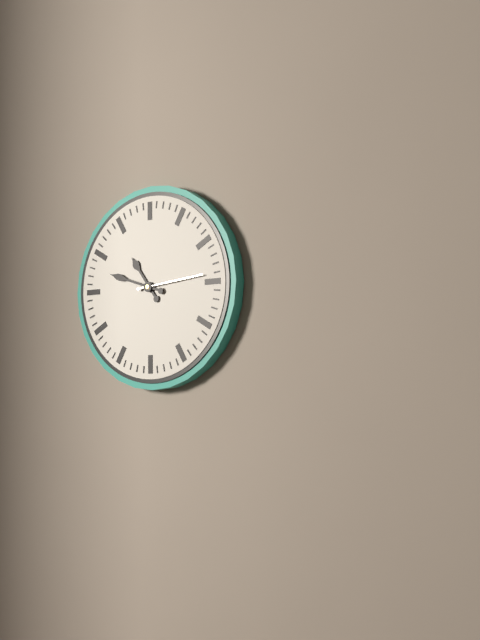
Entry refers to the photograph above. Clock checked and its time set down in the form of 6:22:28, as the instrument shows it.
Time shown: 10:48:14
